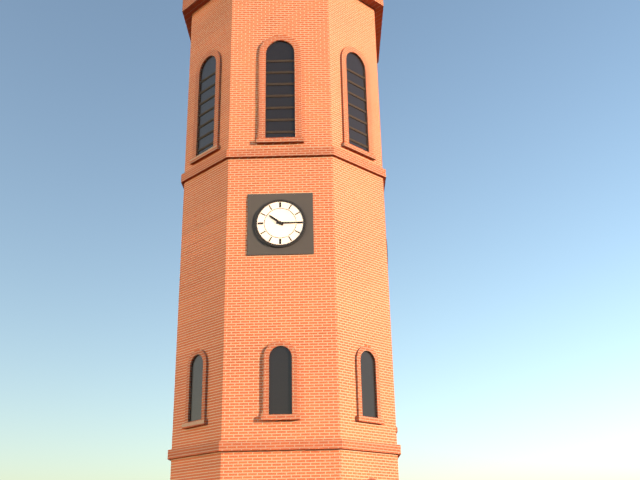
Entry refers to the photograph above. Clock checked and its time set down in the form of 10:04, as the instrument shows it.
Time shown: 10:15
